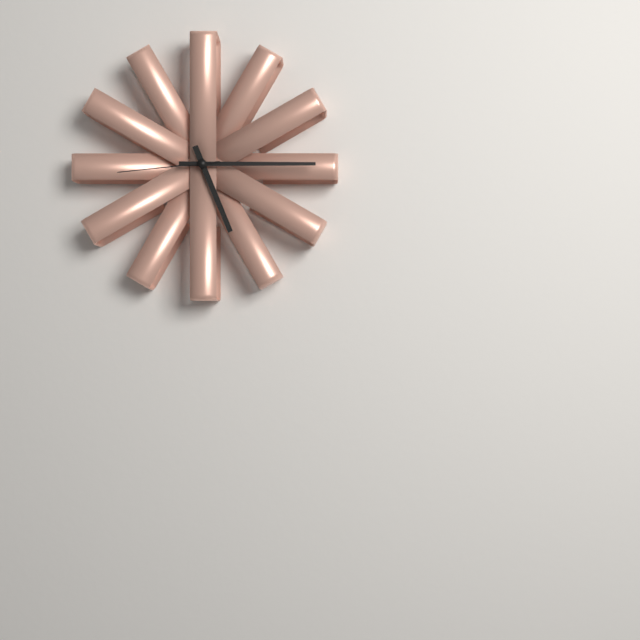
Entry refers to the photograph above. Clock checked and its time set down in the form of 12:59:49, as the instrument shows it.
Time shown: 5:15:44
